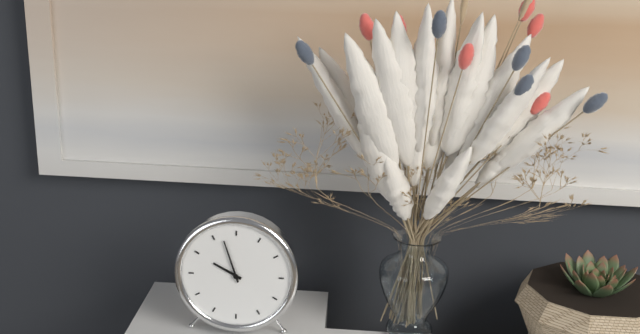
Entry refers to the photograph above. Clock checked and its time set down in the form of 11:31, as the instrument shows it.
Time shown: 9:57
